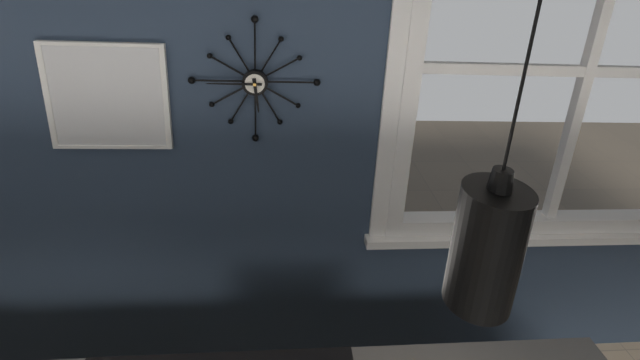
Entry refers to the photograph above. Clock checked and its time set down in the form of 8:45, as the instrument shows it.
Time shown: 5:45
